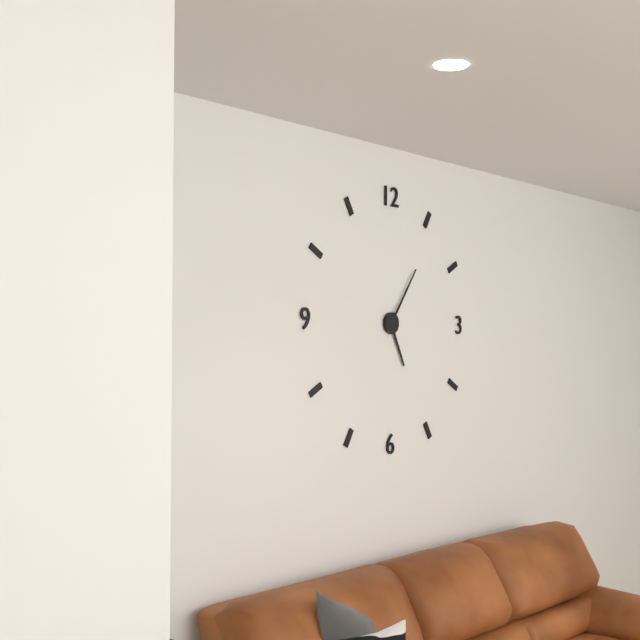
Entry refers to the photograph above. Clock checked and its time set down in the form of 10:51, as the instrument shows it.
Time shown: 5:06
